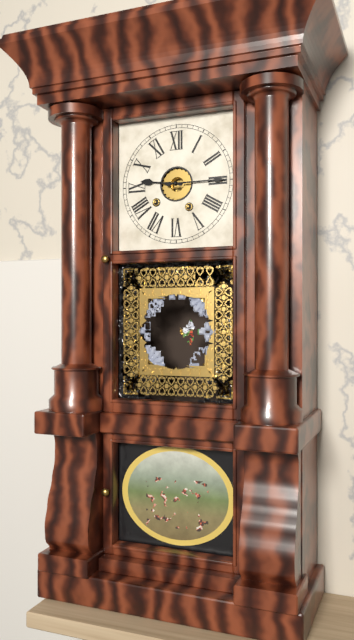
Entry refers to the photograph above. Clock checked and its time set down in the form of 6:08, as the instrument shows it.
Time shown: 9:15
